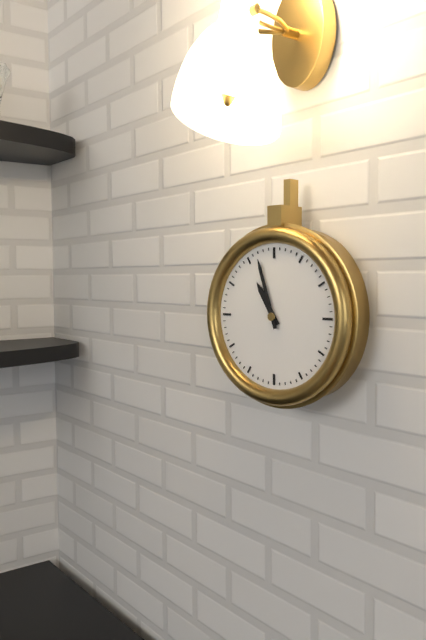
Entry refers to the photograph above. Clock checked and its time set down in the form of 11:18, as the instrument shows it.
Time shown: 10:57
